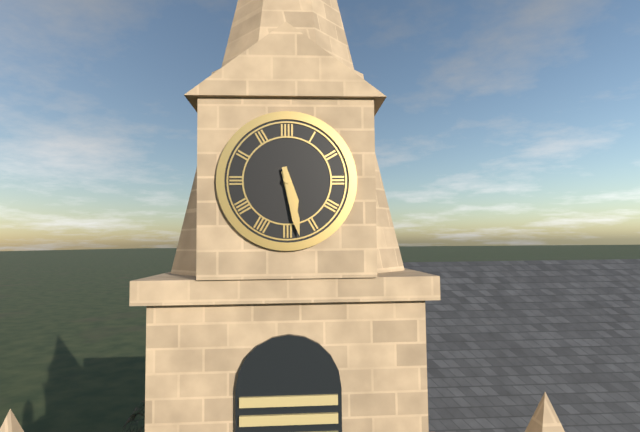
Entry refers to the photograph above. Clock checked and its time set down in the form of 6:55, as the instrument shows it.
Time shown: 5:28
